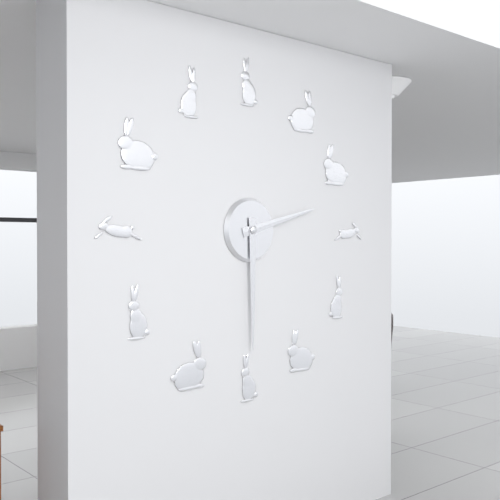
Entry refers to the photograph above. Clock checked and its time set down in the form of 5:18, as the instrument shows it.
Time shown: 2:30
